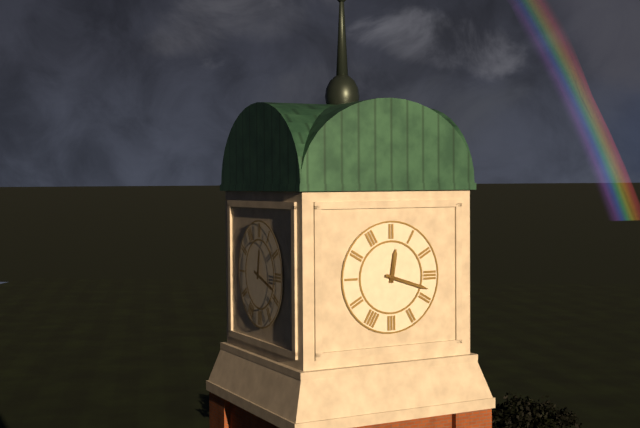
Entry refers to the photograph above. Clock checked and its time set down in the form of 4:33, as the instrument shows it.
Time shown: 12:18
